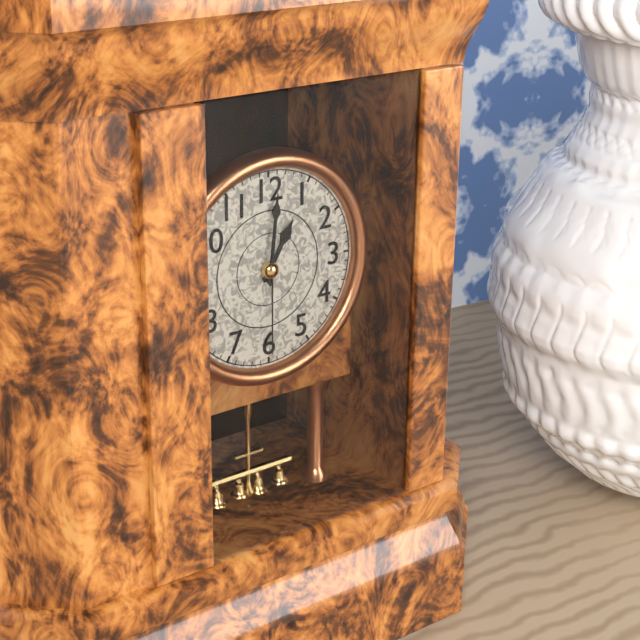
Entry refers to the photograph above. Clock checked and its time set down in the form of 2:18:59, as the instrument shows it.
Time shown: 1:01:30
